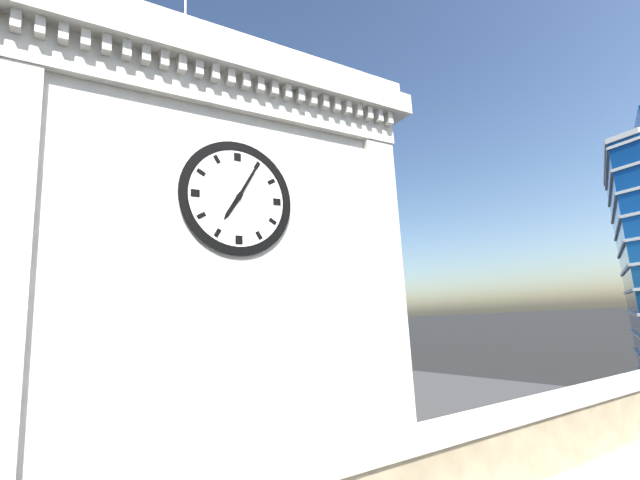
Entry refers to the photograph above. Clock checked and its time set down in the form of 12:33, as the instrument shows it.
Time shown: 7:05
